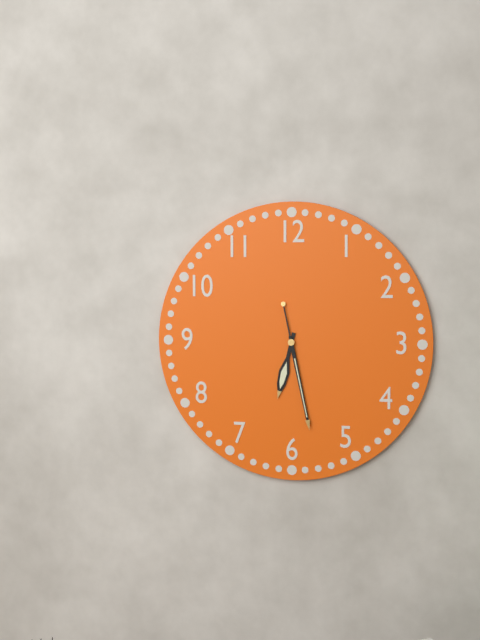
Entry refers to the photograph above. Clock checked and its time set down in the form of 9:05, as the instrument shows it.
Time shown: 6:28
